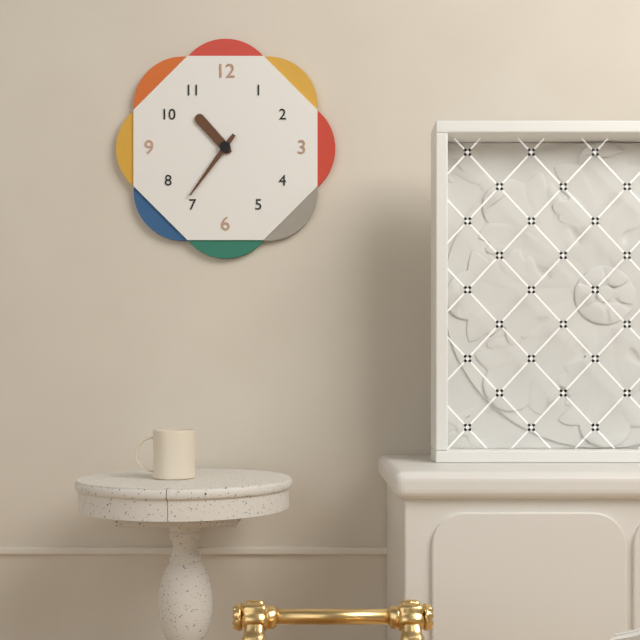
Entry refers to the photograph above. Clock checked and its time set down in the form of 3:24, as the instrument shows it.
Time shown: 10:36
